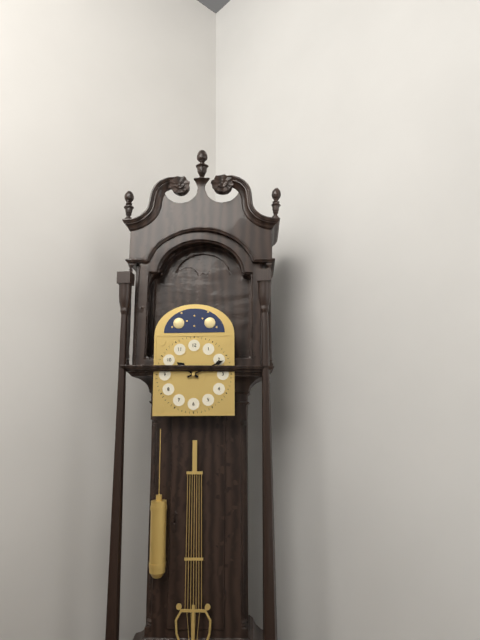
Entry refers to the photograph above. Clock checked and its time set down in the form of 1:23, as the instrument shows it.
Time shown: 10:11
